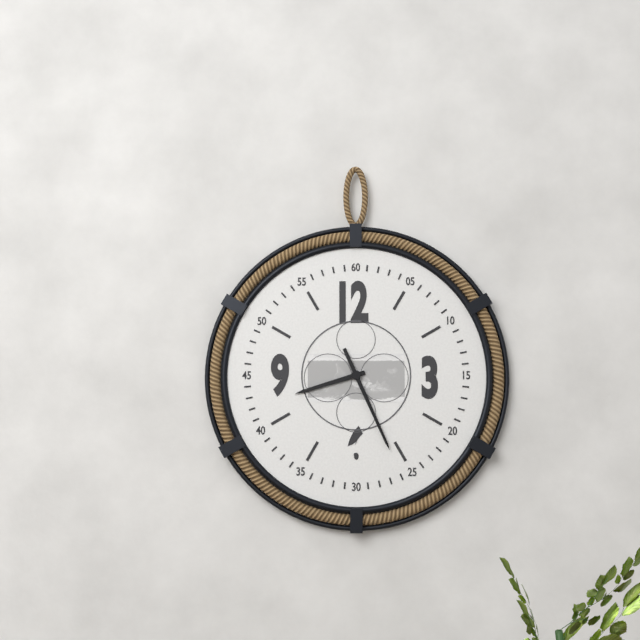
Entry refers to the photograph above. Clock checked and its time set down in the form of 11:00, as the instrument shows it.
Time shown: 8:26
